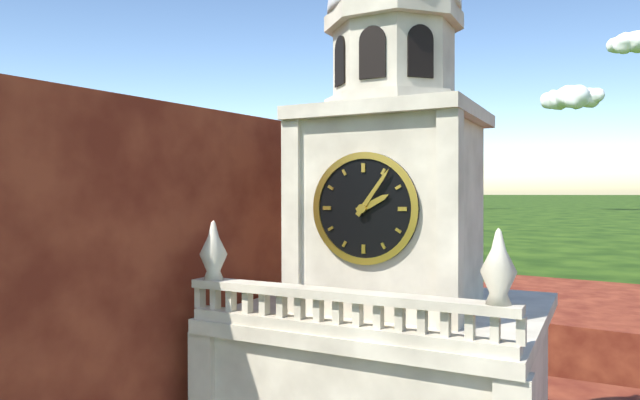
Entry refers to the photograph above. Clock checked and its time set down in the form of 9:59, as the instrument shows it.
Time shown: 2:06
